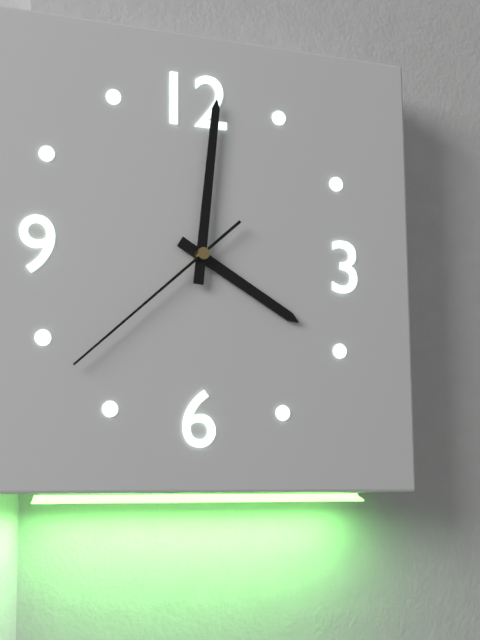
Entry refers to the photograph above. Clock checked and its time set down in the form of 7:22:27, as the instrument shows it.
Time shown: 4:01:38
